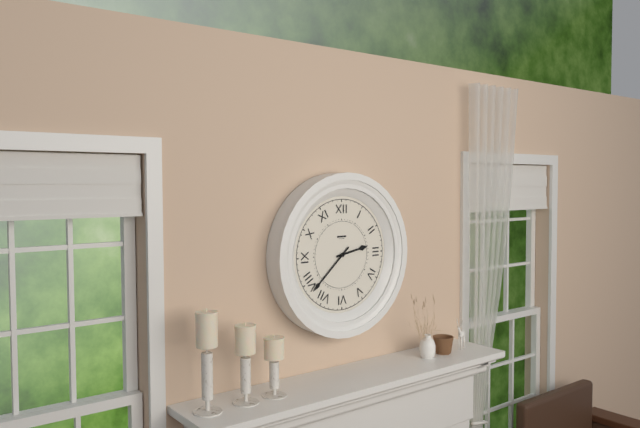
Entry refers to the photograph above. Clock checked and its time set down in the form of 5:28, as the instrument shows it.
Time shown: 2:38
